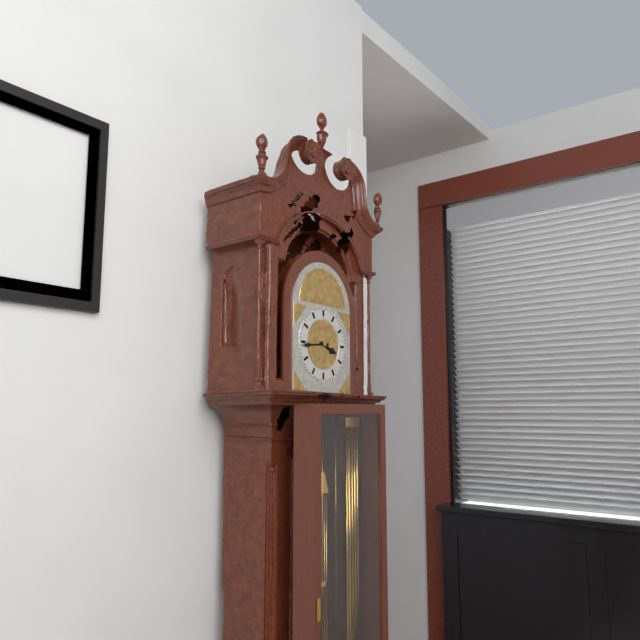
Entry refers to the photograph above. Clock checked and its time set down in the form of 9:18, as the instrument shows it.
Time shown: 3:44
